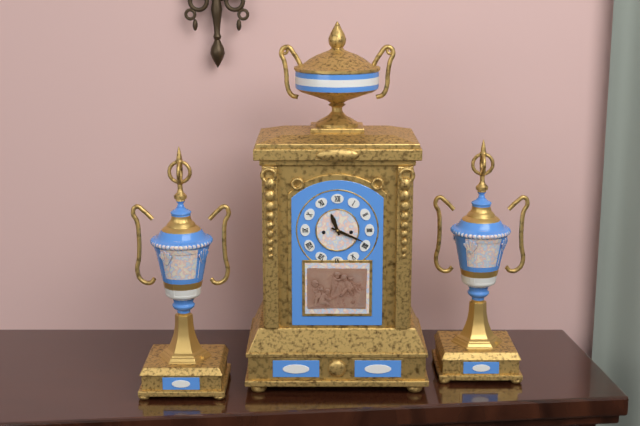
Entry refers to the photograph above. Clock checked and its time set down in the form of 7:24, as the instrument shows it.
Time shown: 11:19
